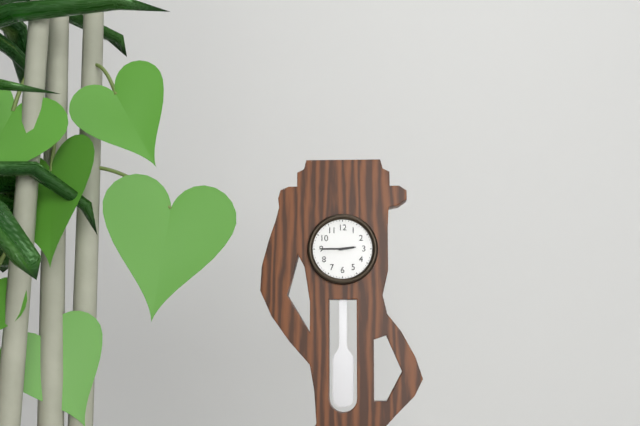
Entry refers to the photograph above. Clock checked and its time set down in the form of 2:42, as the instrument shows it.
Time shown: 2:45
